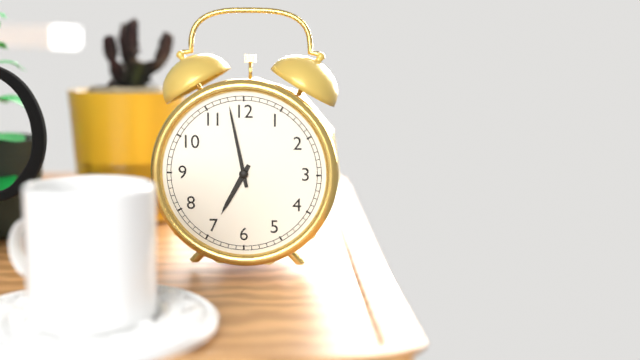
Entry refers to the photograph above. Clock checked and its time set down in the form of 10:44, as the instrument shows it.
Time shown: 6:58
